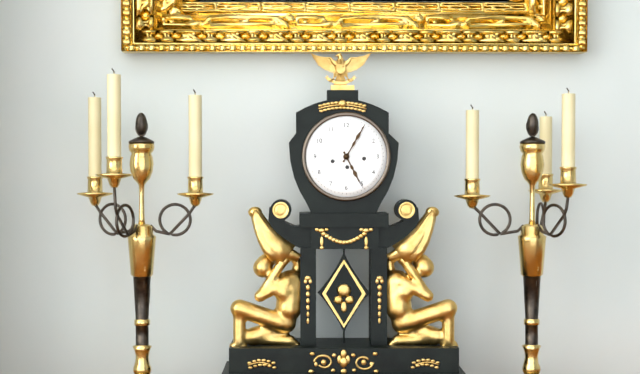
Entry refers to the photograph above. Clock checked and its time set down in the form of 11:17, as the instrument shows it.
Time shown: 5:05
